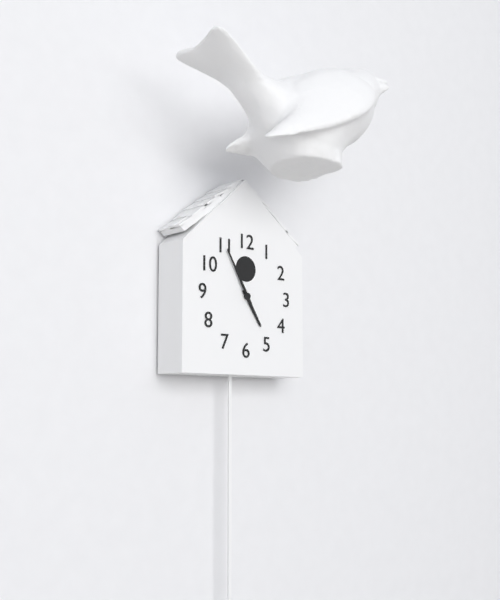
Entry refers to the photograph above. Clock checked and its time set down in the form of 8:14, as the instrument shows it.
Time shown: 4:55
